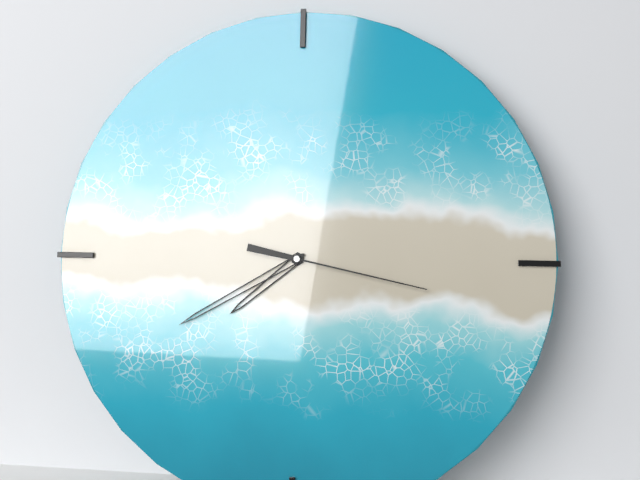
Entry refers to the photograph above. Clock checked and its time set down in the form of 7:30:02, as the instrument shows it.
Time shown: 7:40:17
